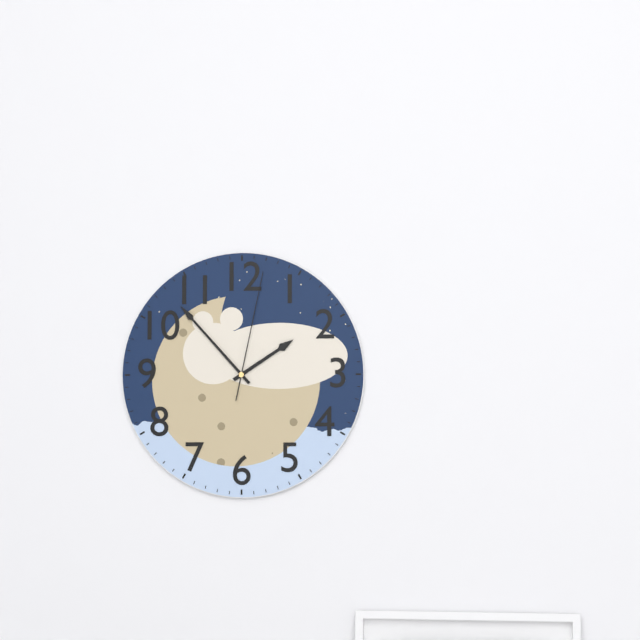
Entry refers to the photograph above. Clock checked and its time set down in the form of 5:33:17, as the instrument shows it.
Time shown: 1:53:02
